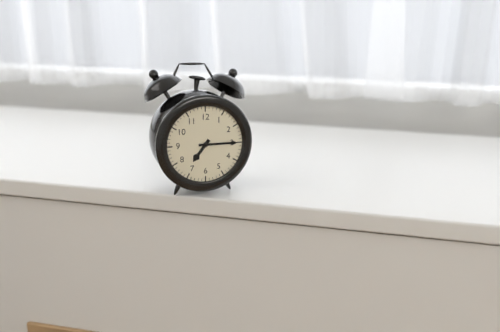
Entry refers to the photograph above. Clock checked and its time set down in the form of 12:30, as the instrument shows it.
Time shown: 7:15
